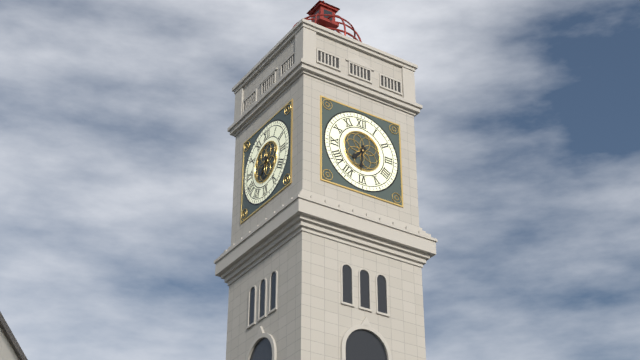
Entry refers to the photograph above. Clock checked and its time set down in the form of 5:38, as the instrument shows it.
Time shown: 7:31
